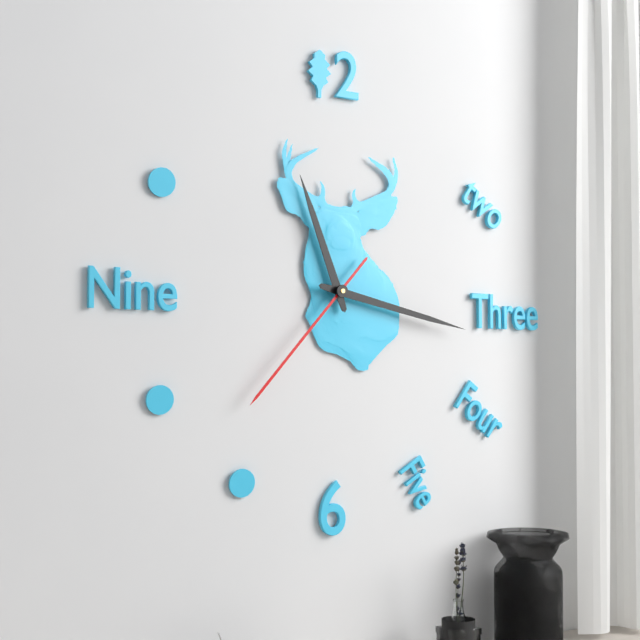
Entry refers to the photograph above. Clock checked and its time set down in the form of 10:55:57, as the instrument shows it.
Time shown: 11:17:37
